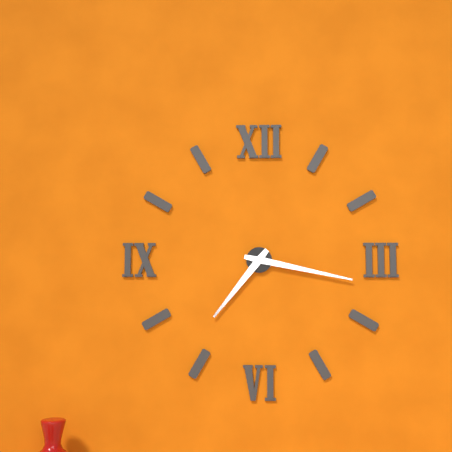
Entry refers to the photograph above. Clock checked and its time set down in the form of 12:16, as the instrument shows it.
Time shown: 7:17
